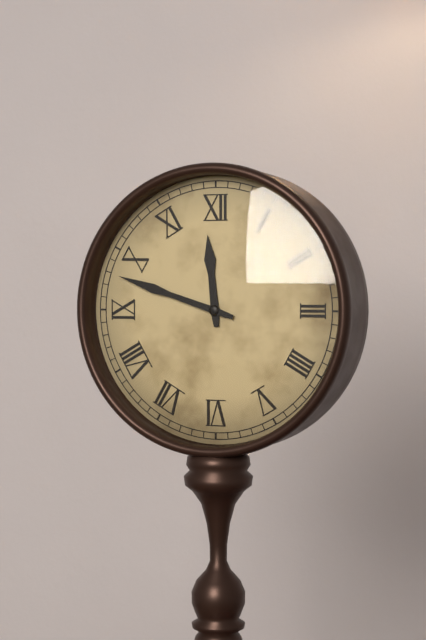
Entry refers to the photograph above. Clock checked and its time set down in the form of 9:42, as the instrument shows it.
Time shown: 11:48
